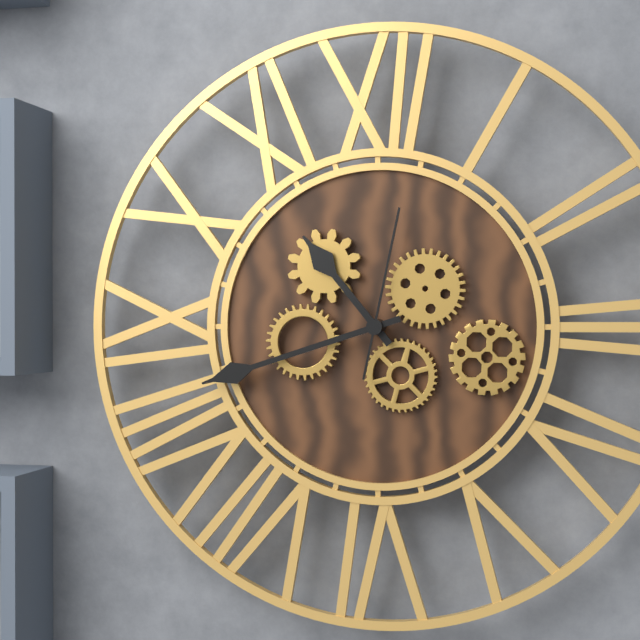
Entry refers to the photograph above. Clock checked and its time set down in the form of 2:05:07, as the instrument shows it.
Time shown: 10:42:02
